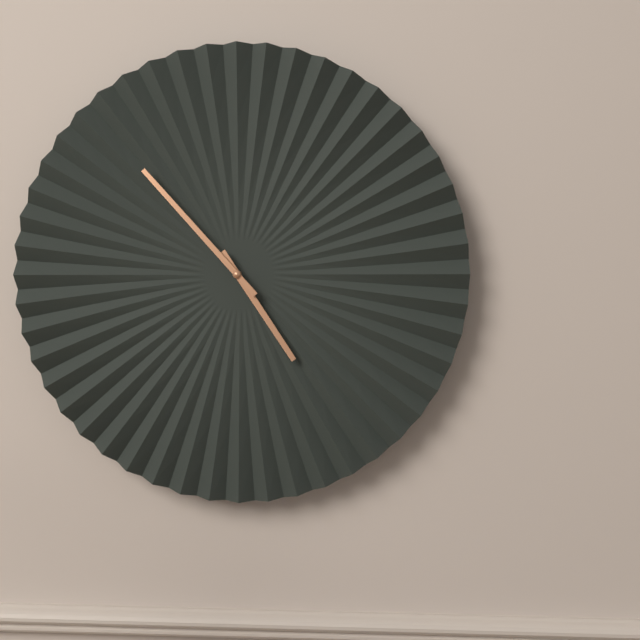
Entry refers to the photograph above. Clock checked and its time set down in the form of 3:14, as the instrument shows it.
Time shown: 4:53
